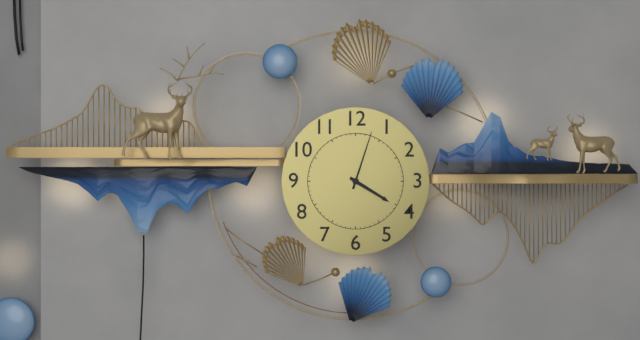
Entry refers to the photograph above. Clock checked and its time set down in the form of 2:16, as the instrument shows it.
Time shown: 4:03
